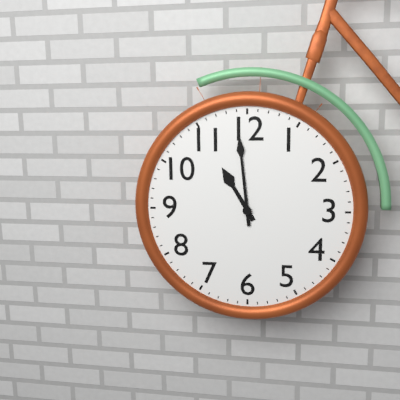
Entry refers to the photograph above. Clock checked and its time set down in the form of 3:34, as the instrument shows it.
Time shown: 10:59
